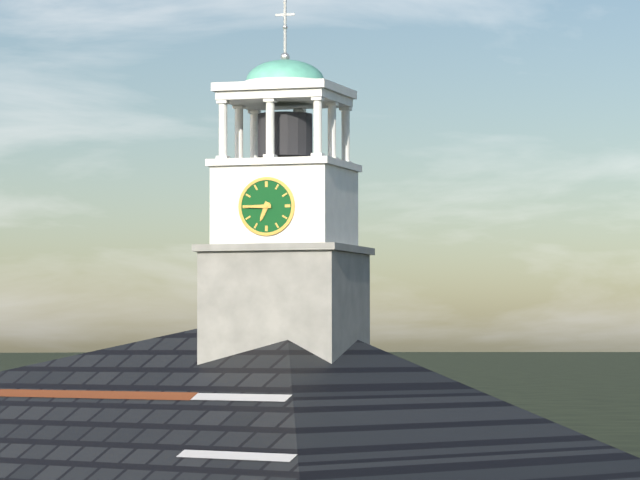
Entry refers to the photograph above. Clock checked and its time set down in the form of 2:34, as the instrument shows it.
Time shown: 6:45
